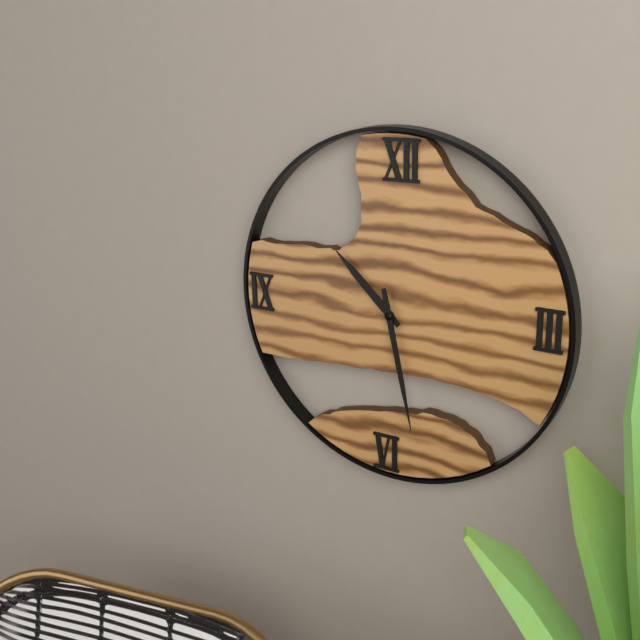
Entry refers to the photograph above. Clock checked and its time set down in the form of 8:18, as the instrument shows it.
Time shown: 10:28
